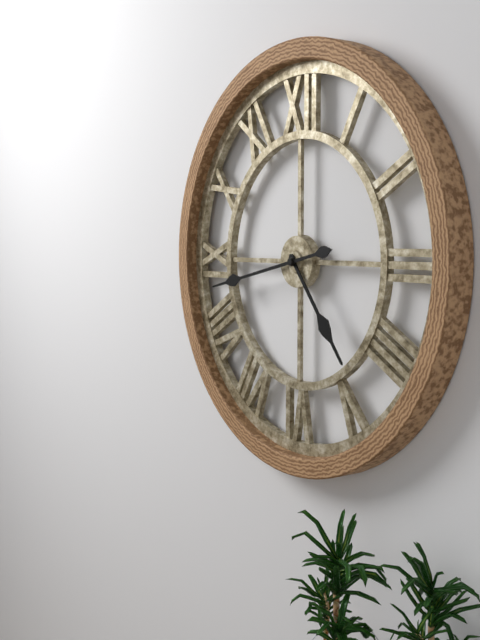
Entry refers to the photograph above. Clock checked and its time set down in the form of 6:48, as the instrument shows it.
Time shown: 4:43
